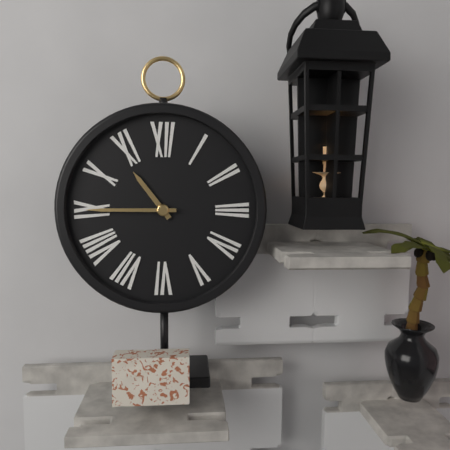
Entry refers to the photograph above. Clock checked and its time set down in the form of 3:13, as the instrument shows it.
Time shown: 10:45
